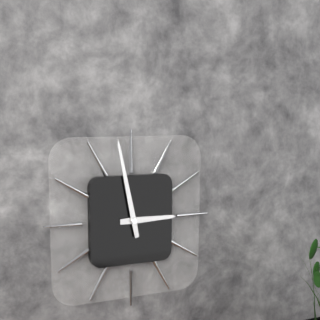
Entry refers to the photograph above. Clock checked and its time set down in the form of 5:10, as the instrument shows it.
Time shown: 2:58
